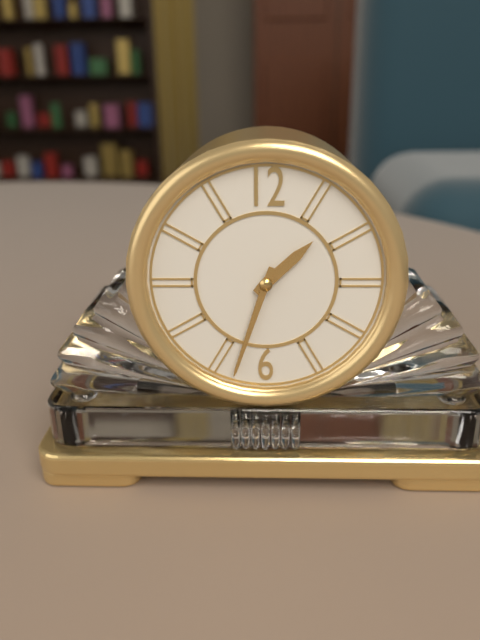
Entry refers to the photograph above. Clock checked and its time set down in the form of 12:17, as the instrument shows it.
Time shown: 1:33
